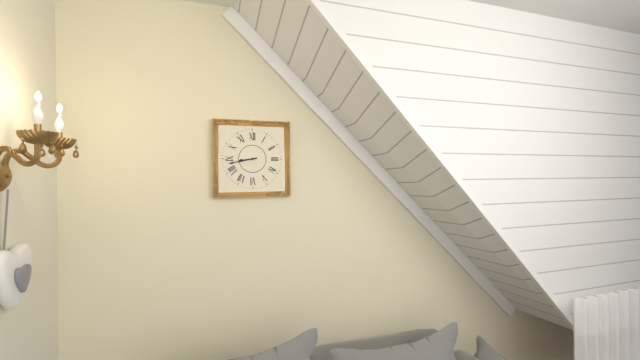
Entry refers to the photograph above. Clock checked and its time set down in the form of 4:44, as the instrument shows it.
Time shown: 8:43
